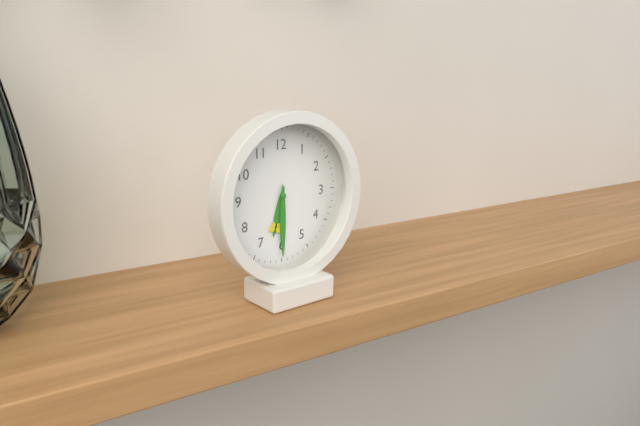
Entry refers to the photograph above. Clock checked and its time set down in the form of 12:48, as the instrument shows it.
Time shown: 6:30
